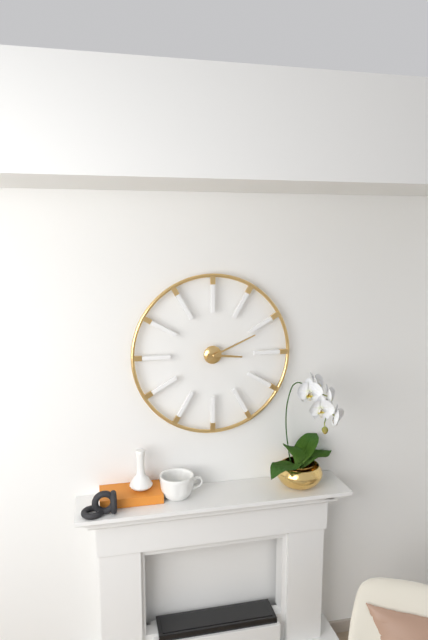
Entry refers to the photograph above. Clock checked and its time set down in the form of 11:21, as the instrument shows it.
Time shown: 3:11
